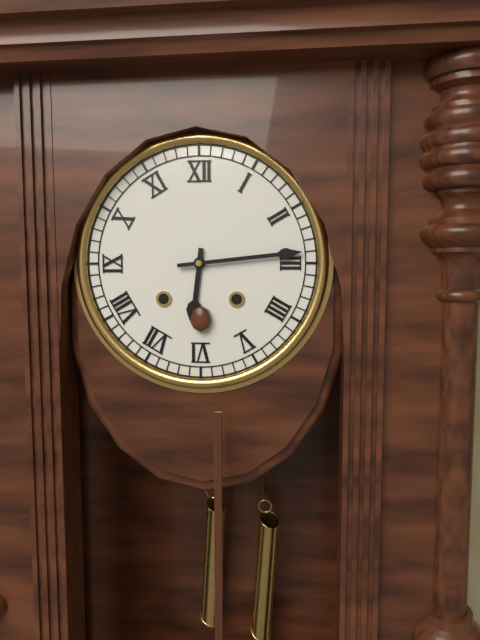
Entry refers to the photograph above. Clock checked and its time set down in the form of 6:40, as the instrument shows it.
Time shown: 6:14
